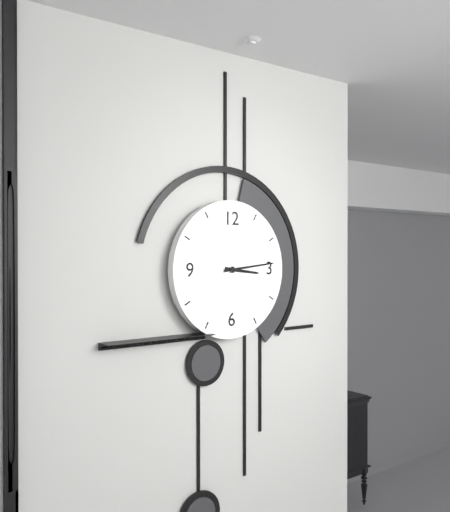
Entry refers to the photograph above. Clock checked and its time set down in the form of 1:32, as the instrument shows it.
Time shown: 3:14
